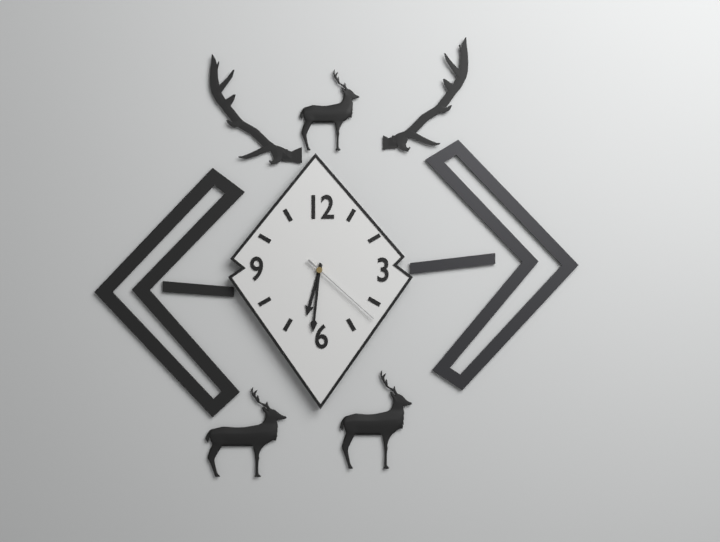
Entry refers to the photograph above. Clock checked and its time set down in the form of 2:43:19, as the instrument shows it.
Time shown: 6:31:22
